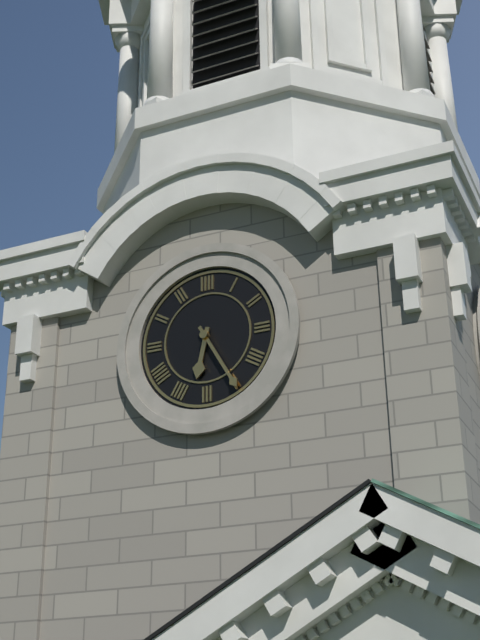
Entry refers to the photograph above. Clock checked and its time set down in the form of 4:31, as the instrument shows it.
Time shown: 6:25
